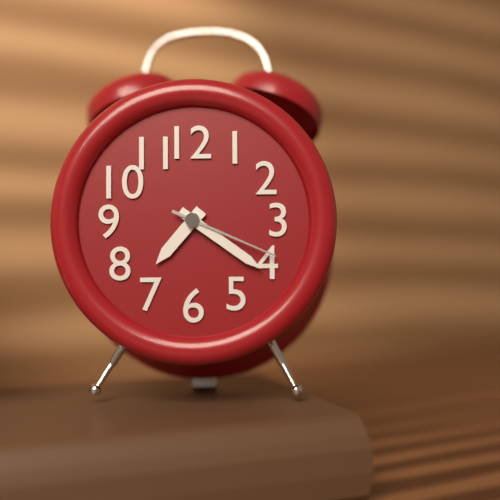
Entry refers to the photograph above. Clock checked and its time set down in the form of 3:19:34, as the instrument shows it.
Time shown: 7:21:19
